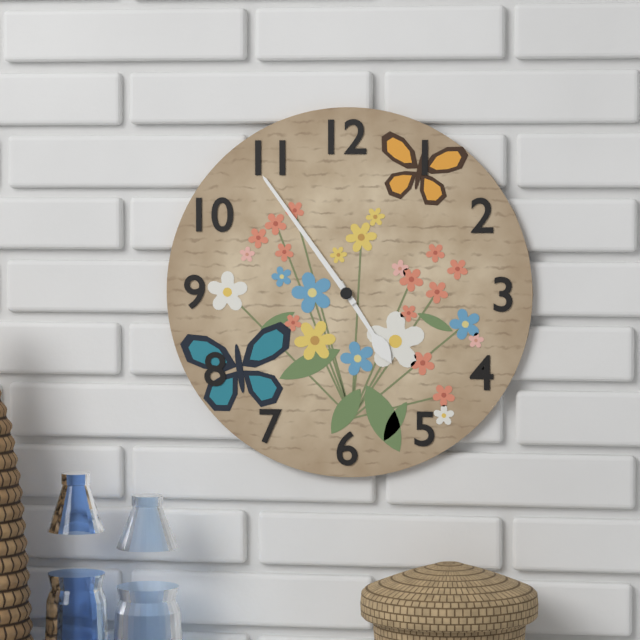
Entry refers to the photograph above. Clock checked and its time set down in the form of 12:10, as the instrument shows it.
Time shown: 4:54
